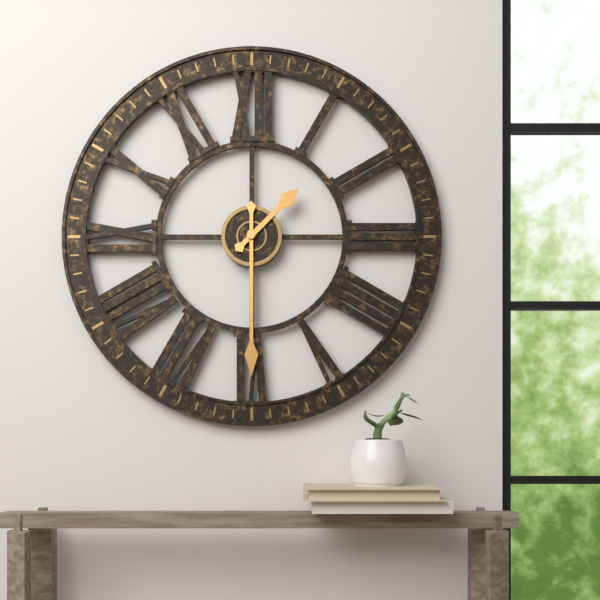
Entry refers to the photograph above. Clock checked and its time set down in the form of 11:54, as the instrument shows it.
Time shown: 1:30
